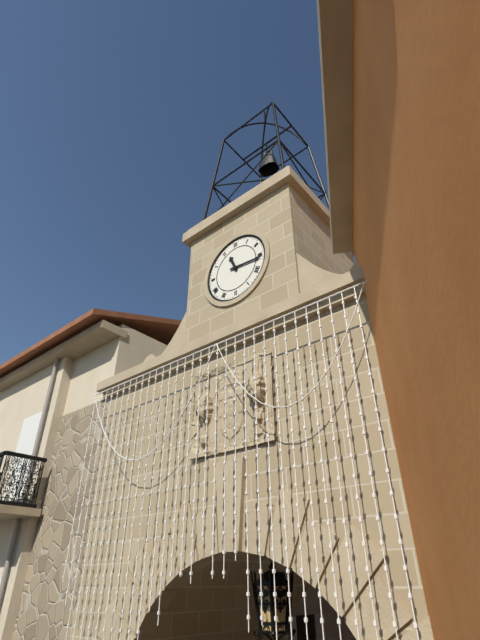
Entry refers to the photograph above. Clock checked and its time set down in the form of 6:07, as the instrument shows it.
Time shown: 11:16
